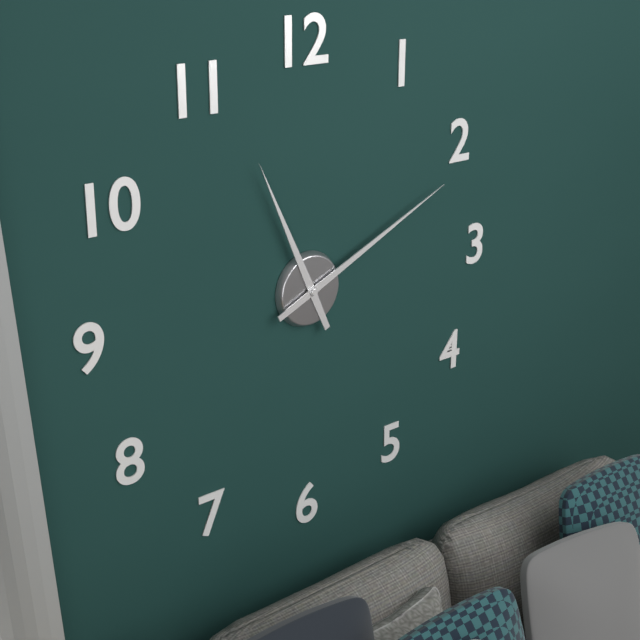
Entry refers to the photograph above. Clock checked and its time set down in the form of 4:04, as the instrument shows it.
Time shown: 11:11
